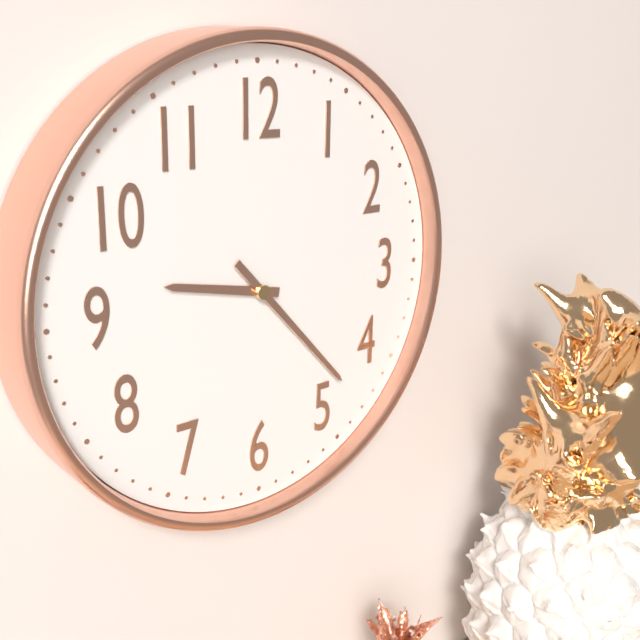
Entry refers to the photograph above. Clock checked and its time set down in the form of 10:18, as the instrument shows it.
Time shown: 9:23
